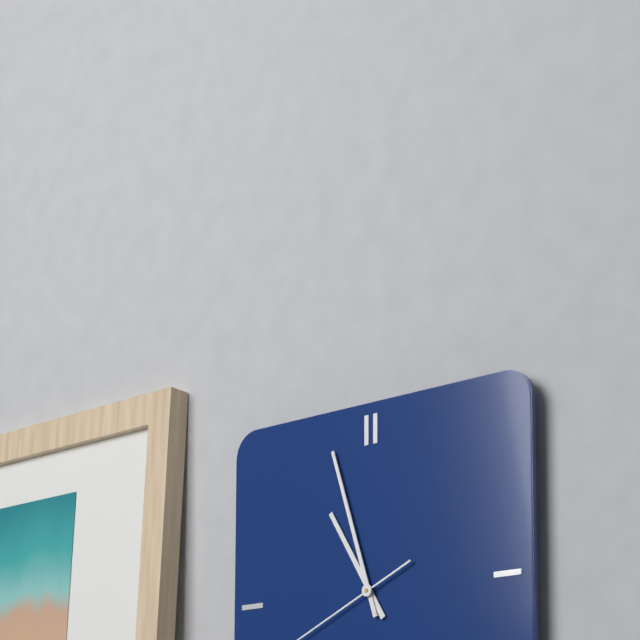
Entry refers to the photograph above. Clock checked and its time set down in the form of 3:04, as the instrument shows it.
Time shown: 10:57
